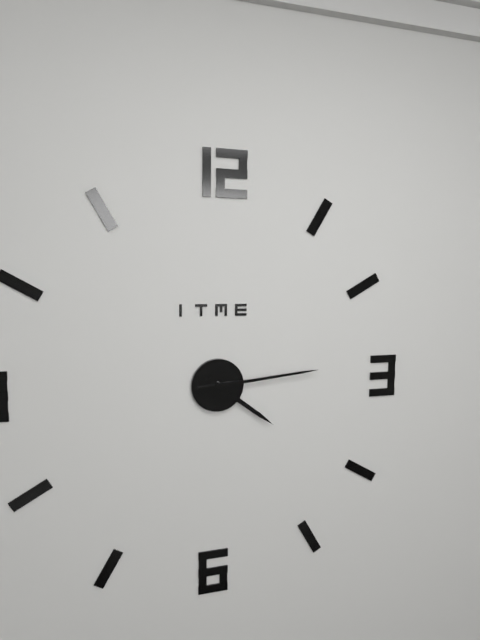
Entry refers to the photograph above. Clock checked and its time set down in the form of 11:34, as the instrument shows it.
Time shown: 4:14
